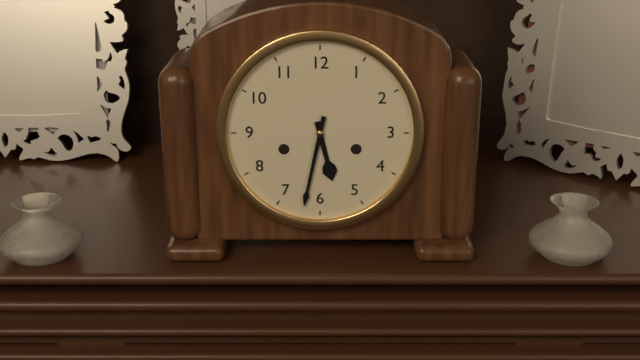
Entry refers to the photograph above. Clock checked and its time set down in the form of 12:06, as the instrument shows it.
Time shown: 5:32
